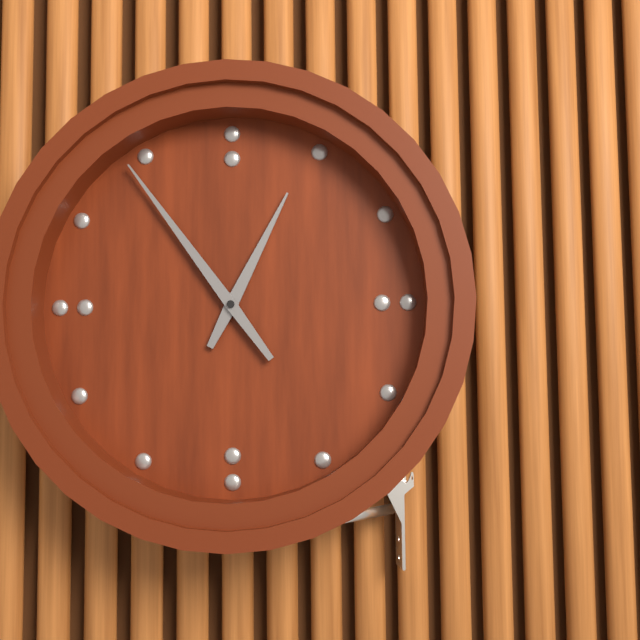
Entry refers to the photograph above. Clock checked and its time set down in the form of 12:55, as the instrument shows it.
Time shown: 12:54
